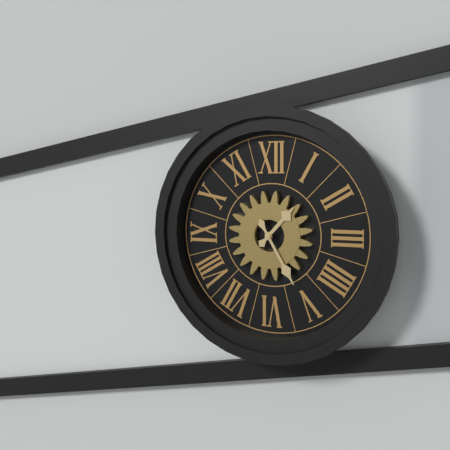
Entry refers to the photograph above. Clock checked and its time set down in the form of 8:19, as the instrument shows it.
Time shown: 1:25
